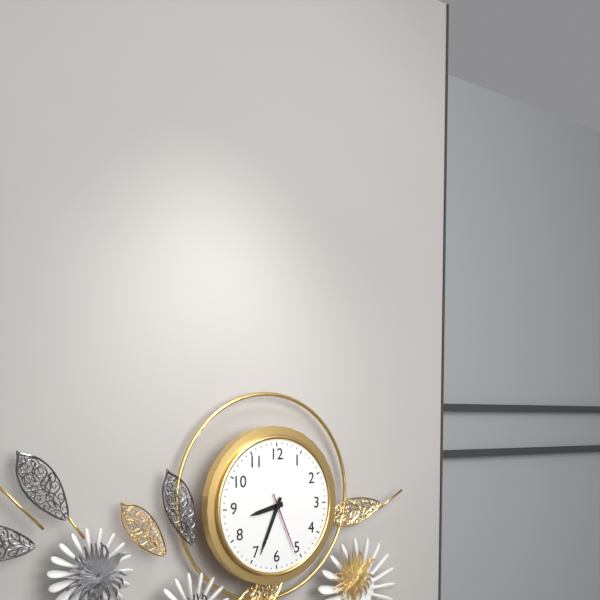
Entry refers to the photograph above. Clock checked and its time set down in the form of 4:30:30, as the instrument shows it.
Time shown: 8:34:26
